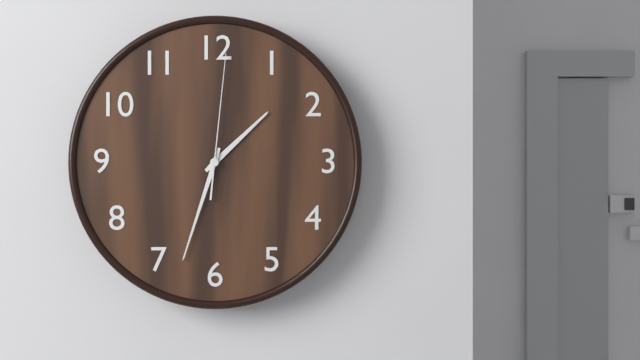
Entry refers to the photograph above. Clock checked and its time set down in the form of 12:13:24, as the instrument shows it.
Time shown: 1:33:01
